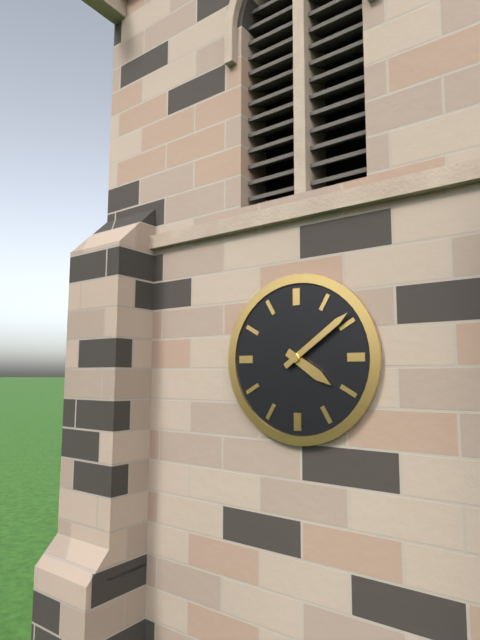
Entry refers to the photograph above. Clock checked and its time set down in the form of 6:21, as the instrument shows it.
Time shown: 4:09
